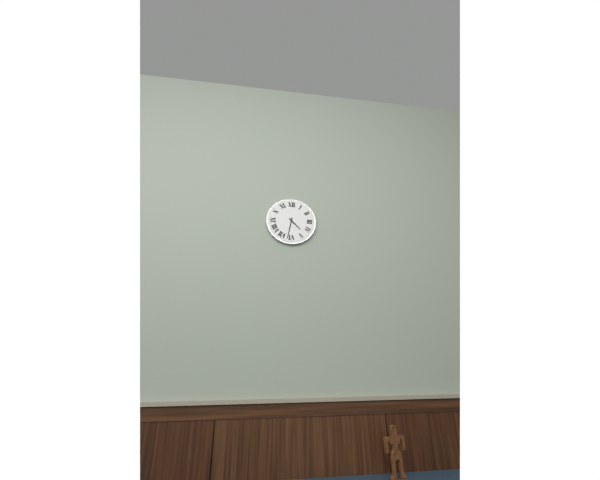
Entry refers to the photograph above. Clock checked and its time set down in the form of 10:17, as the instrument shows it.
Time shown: 4:32
